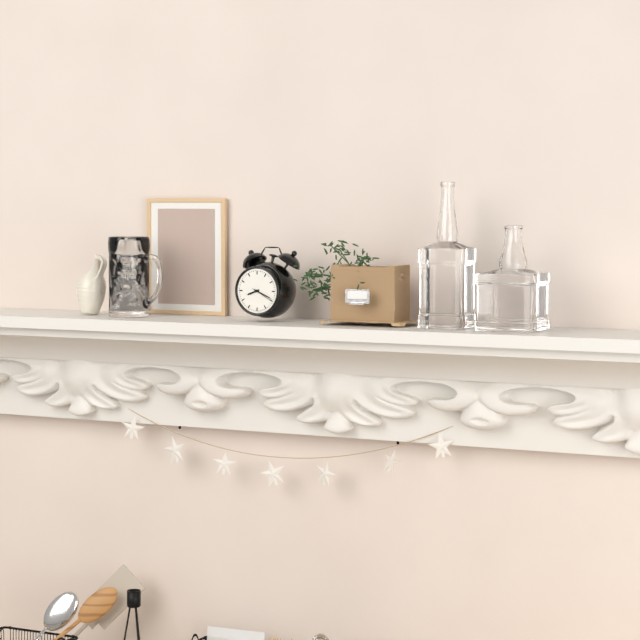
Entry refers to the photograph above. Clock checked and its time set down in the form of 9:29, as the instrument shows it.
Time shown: 8:19
